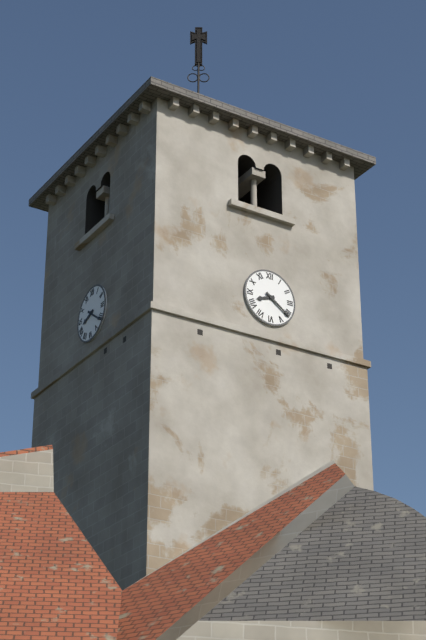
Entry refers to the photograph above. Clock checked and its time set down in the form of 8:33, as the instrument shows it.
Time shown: 8:21
